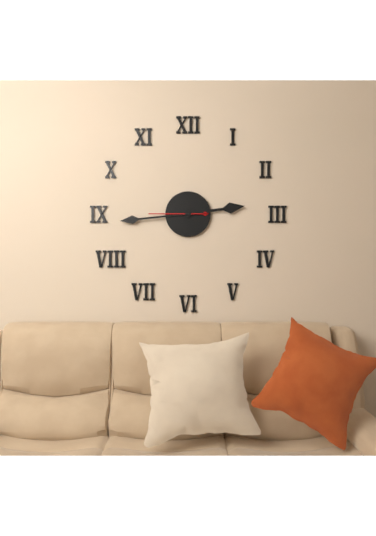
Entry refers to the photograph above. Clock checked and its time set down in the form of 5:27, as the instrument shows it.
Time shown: 2:44
